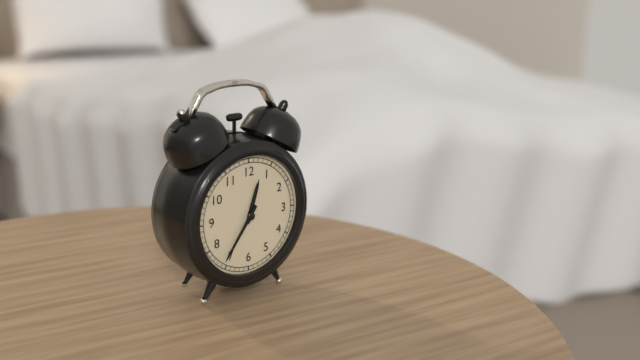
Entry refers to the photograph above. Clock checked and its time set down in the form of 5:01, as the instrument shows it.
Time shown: 12:36
